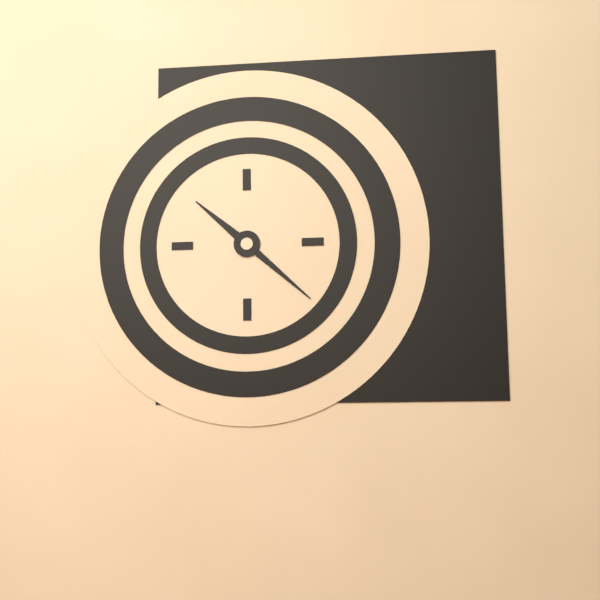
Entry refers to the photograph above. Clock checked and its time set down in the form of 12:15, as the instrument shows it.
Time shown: 10:22
